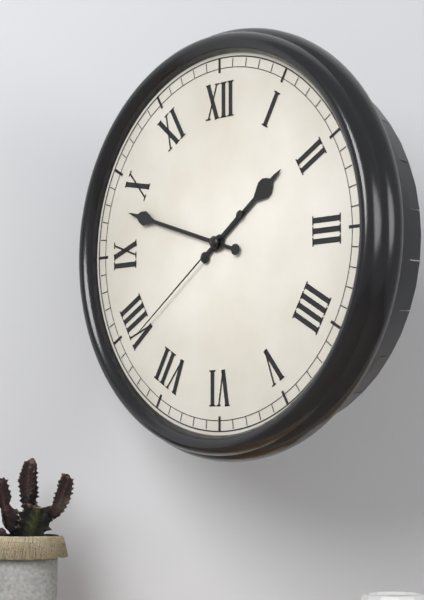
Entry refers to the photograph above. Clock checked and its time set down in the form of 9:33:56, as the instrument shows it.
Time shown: 1:48:39
